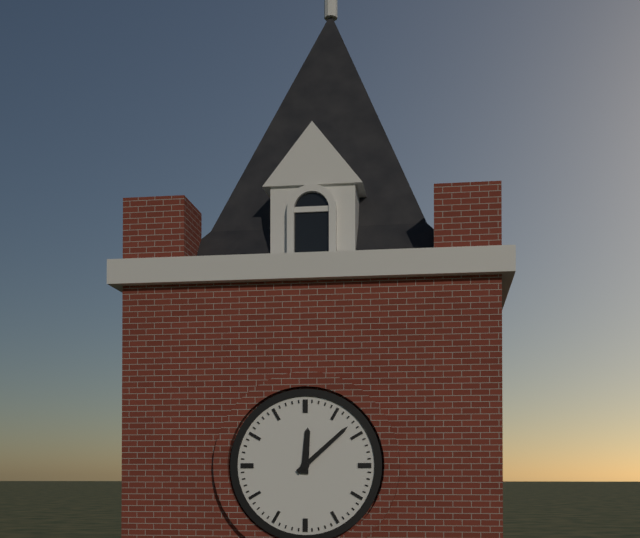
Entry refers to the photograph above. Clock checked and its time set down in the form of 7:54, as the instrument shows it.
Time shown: 12:08
